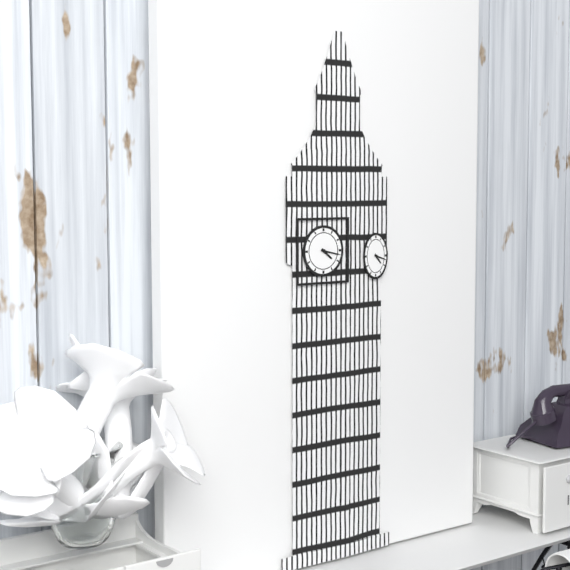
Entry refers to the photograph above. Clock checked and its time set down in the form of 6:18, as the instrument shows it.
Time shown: 4:17
